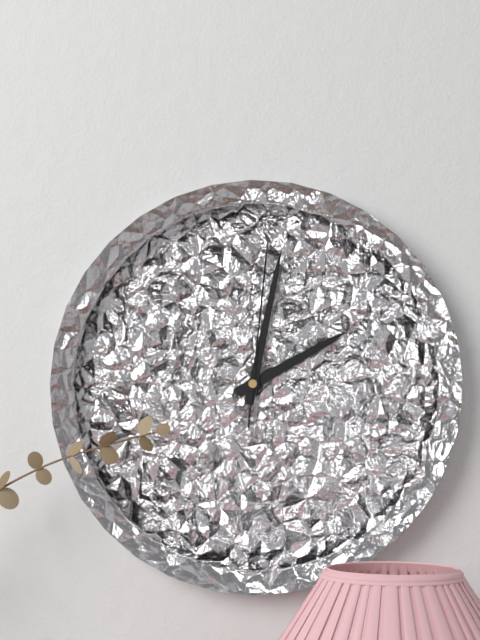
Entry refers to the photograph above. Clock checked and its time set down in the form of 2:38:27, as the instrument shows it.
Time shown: 2:02:01
